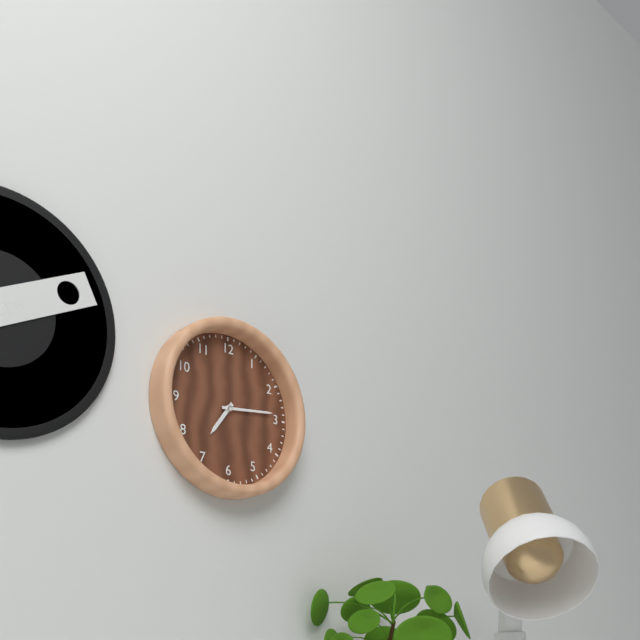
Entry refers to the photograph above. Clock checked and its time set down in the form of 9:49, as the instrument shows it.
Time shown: 7:14
